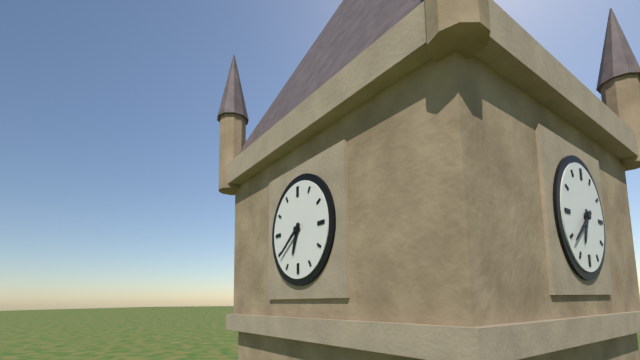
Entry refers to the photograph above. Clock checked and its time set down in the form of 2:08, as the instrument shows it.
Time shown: 6:39
